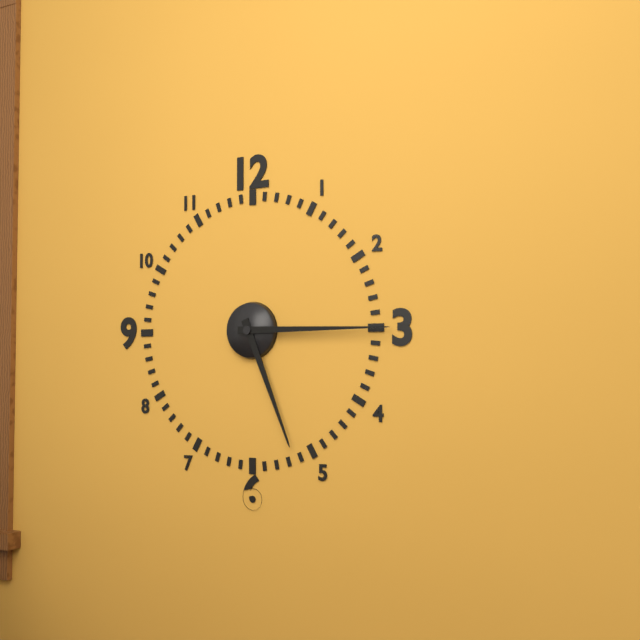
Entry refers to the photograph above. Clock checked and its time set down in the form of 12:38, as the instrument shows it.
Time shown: 5:15
